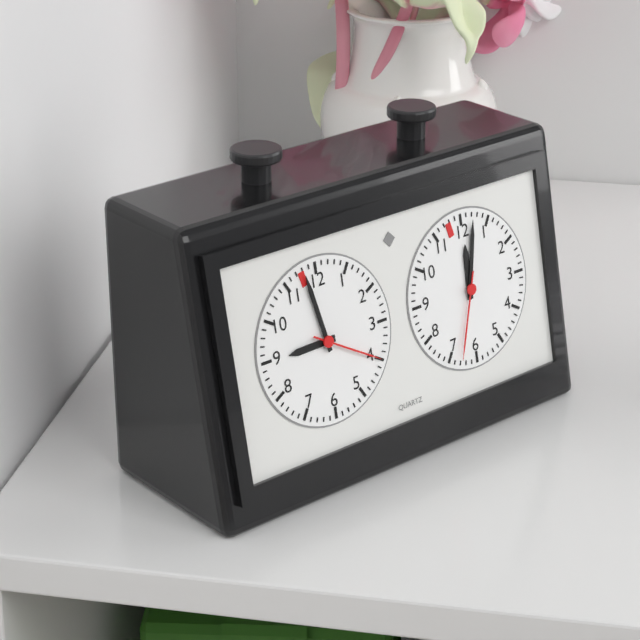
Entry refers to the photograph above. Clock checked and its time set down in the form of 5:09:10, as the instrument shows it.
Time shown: 8:58:20
